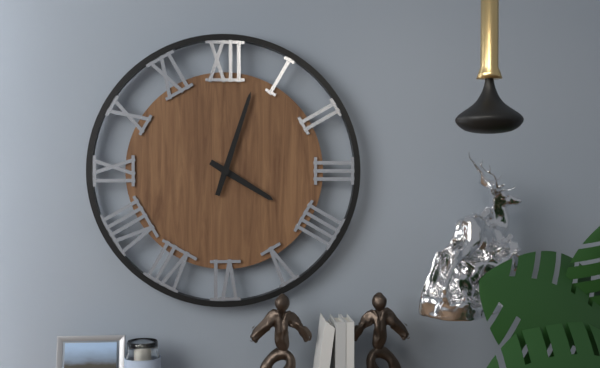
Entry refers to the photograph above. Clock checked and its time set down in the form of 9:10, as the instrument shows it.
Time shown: 4:03
